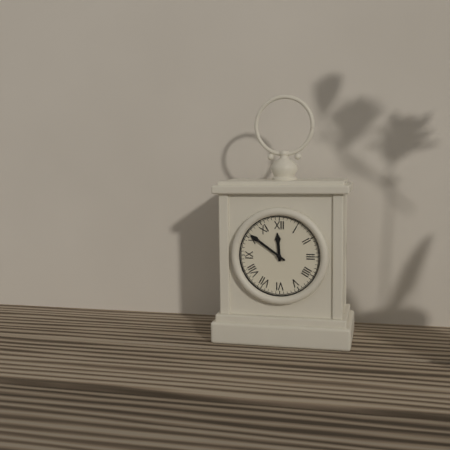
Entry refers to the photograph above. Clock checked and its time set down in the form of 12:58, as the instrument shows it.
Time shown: 11:51
